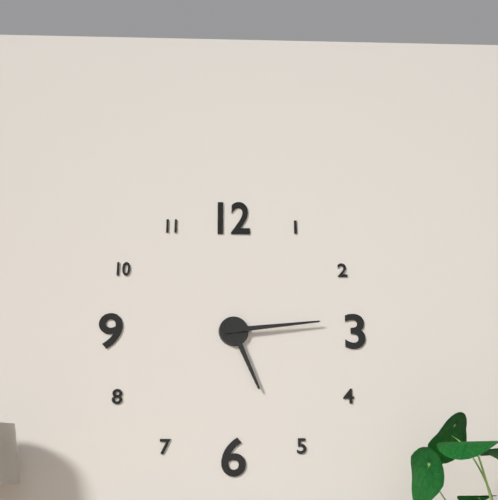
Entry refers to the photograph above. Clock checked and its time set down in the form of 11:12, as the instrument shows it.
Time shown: 5:14
